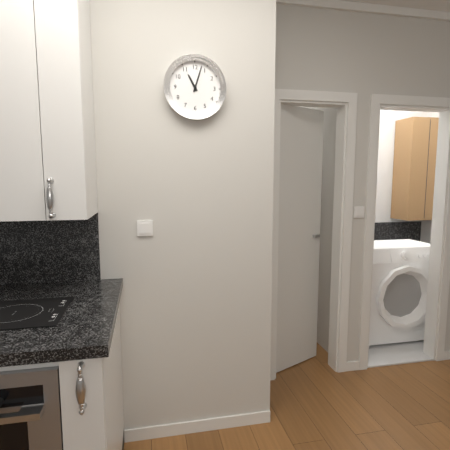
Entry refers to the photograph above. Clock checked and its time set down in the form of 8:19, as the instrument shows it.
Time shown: 11:03
